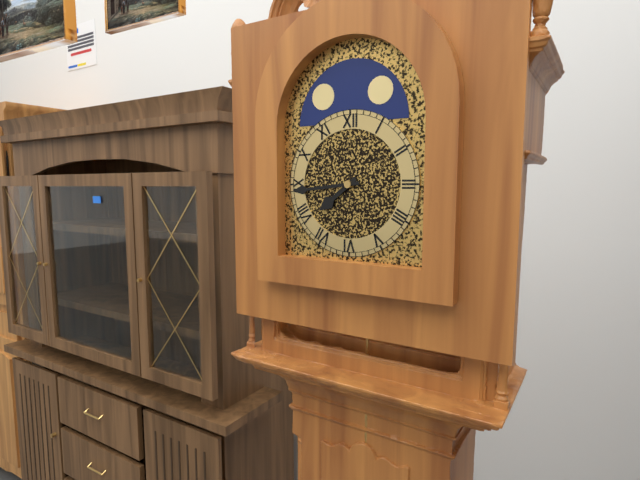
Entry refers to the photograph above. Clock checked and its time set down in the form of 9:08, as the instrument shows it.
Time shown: 7:44
